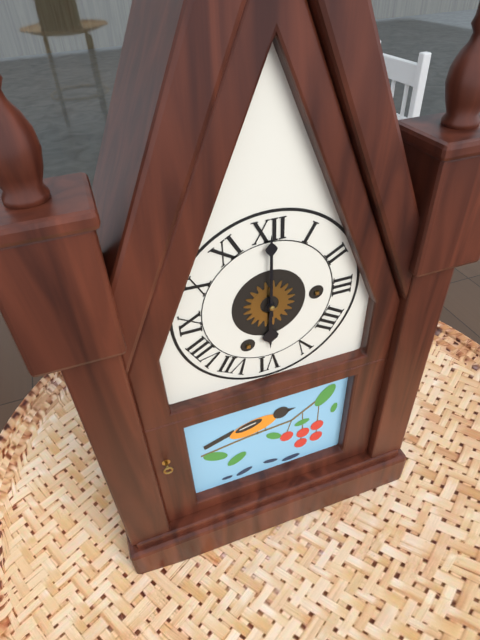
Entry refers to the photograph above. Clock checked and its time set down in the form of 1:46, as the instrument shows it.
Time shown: 6:00
